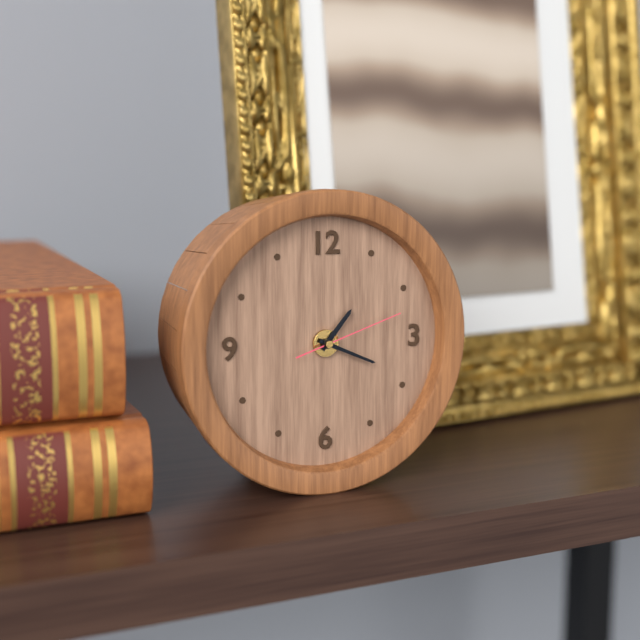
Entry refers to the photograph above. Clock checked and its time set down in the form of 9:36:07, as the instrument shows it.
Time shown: 1:19:12
